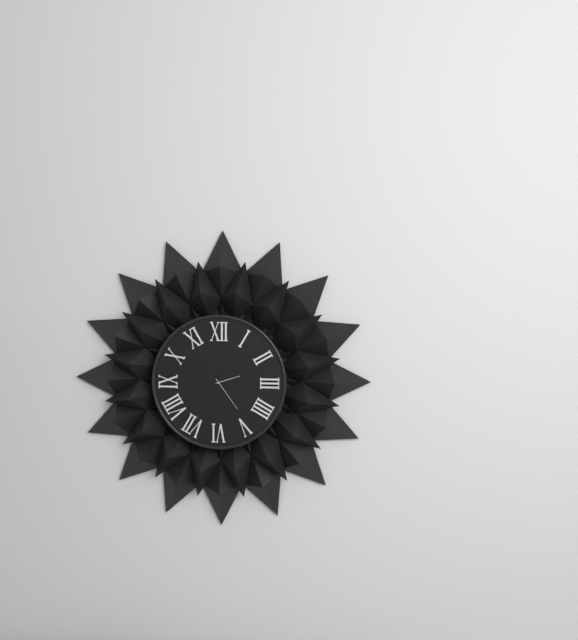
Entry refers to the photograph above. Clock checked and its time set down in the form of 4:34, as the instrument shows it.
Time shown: 2:24
